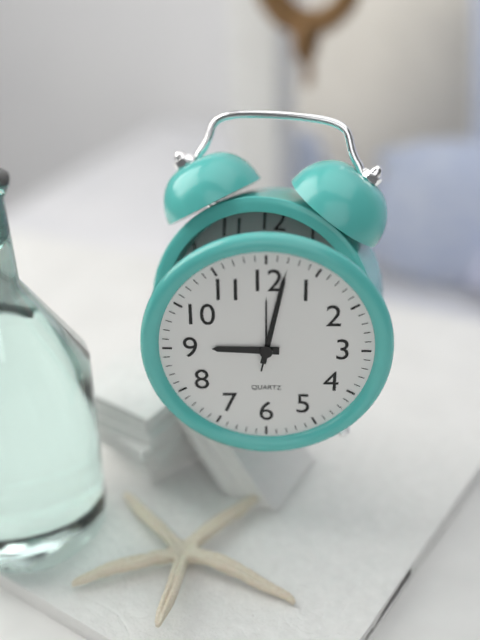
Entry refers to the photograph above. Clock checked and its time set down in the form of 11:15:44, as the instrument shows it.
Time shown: 9:02:02
